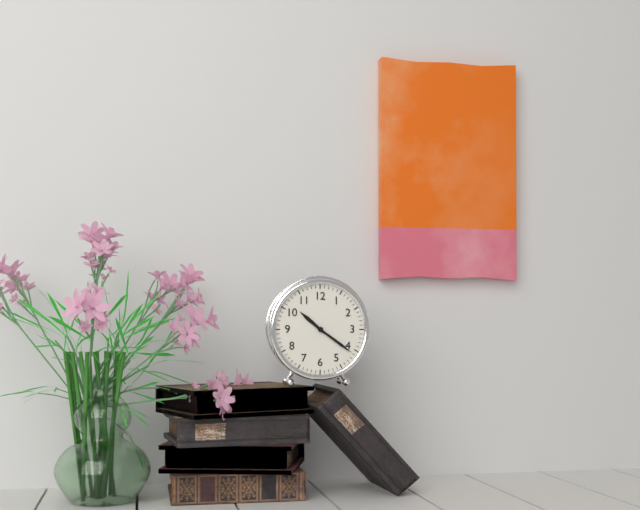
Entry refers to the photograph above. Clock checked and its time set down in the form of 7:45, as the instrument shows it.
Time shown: 10:21
